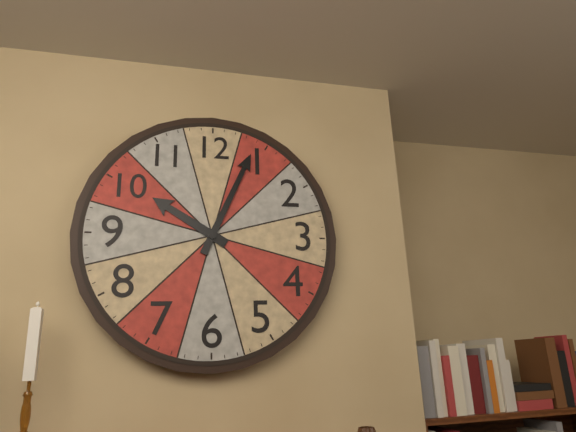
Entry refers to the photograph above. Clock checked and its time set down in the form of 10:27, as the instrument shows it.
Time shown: 10:04
